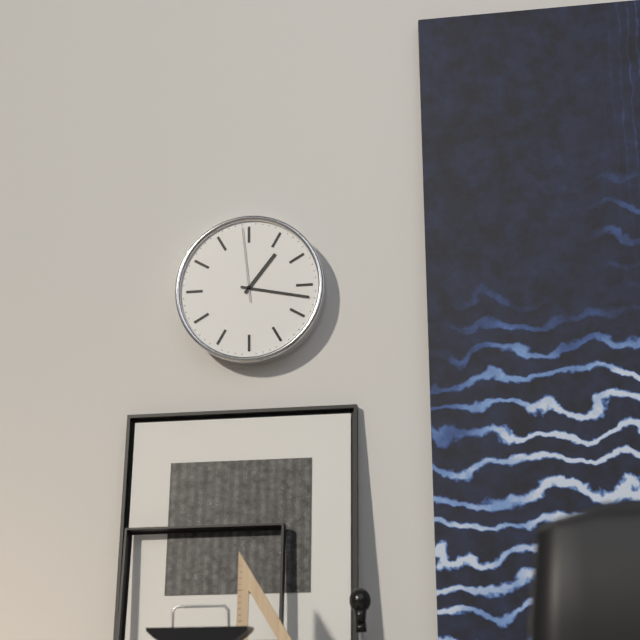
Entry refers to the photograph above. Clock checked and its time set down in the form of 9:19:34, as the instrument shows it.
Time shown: 1:17:59
